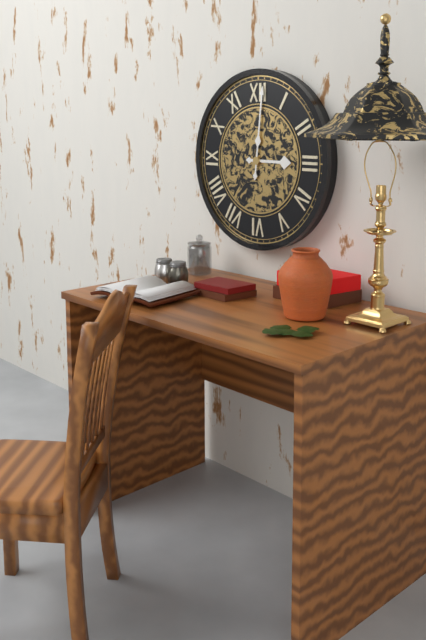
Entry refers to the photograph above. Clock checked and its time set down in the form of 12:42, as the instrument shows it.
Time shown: 3:01
